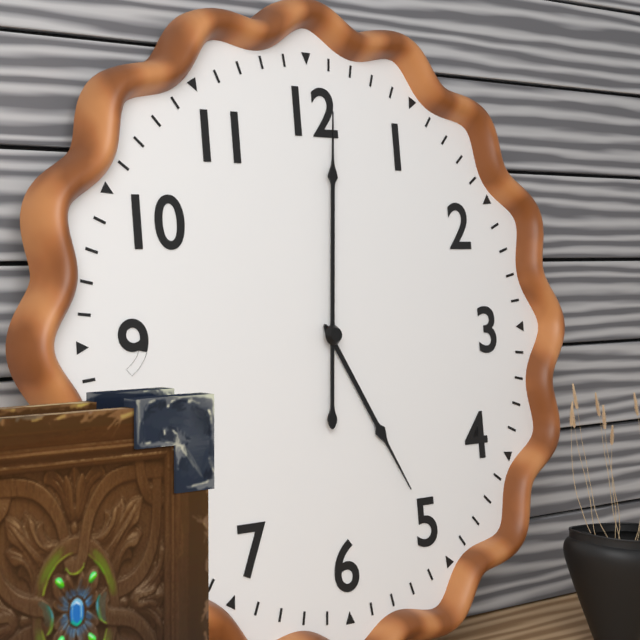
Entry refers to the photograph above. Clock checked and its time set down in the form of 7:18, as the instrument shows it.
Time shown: 5:01
